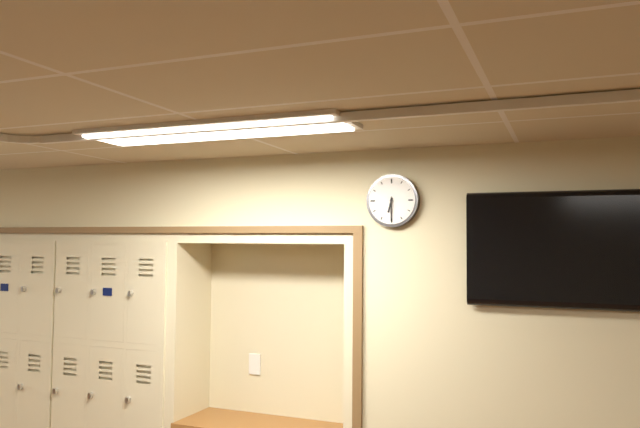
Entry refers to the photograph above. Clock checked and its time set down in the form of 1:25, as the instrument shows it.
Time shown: 6:30
